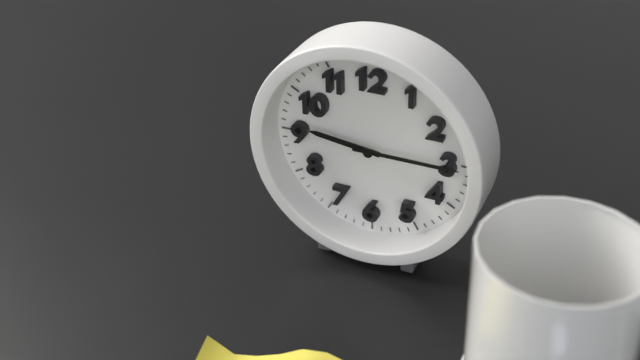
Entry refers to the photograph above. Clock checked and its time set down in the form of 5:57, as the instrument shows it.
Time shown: 9:15
